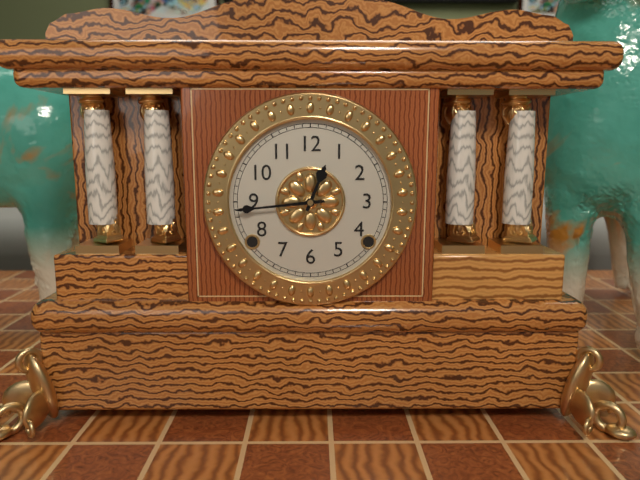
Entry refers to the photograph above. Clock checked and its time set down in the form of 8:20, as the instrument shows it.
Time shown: 12:44
